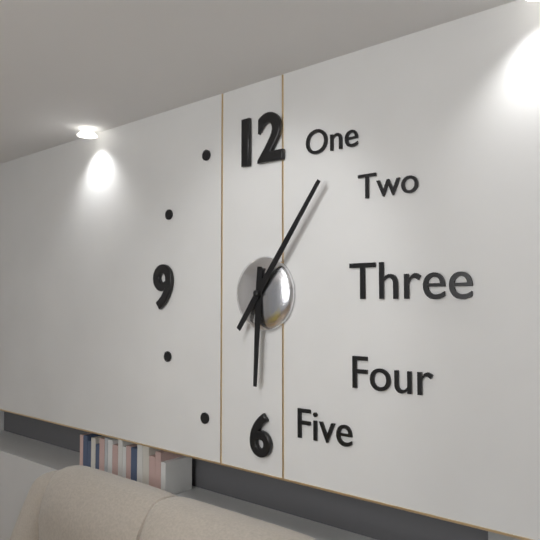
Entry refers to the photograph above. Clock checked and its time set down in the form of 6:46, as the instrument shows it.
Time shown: 6:06
